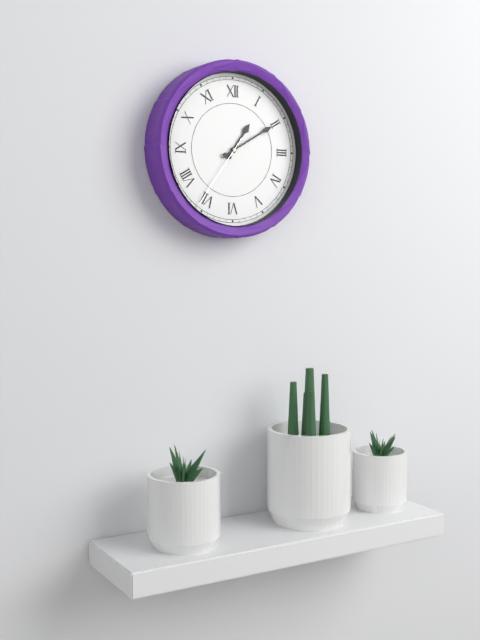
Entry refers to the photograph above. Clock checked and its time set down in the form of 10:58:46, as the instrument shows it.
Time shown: 1:10:36
